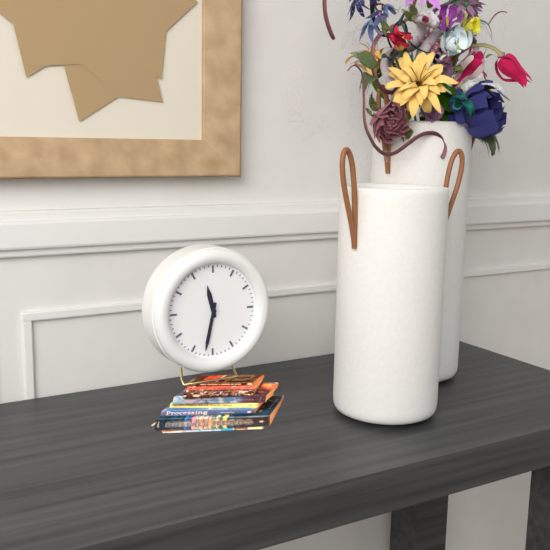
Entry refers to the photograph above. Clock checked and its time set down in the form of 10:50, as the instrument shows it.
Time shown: 11:32
